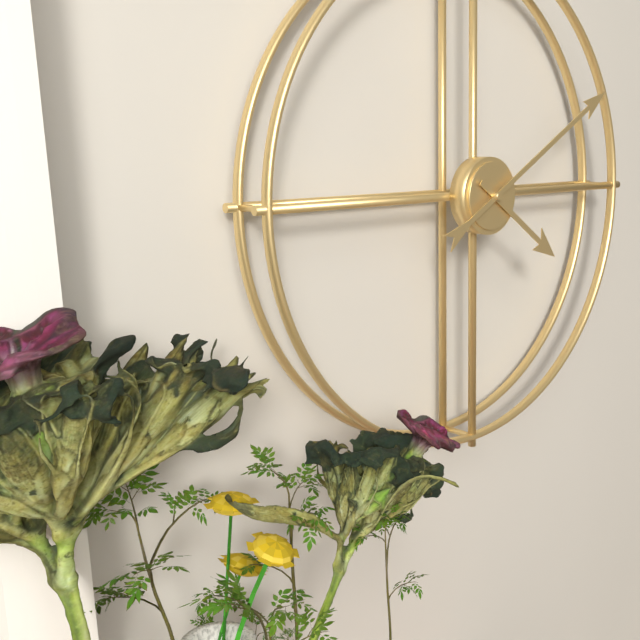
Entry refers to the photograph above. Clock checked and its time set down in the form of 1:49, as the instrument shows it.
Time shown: 4:10
